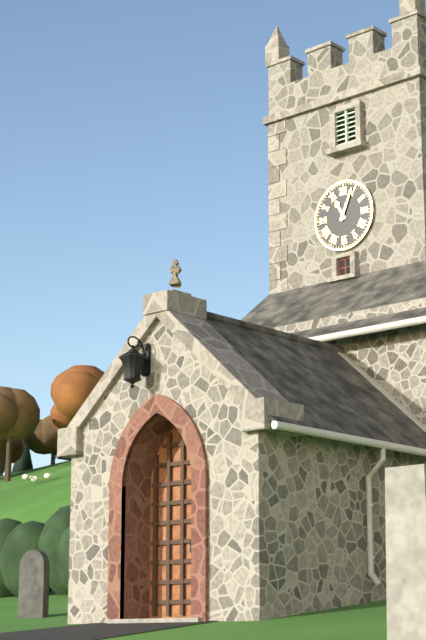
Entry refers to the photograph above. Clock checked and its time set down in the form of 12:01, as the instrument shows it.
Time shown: 11:04
